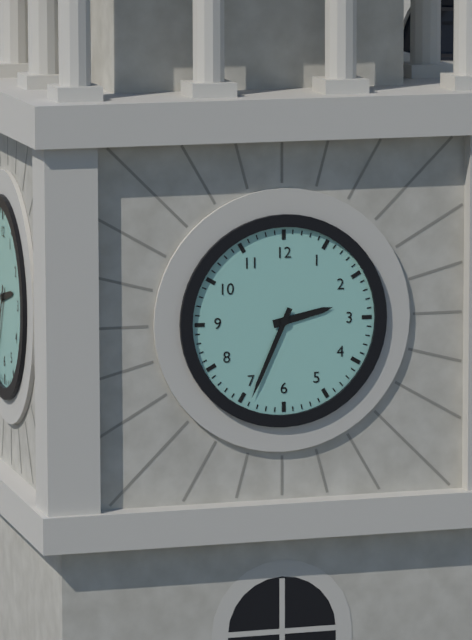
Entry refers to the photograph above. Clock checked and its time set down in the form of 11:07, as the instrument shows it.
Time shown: 2:34
